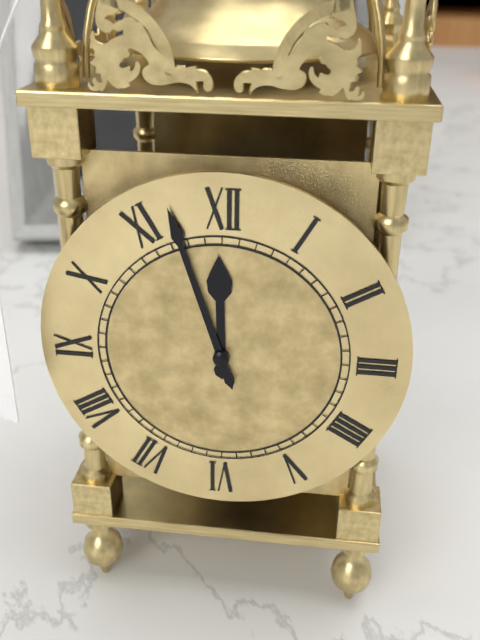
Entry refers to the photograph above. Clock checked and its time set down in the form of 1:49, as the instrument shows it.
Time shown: 11:57
